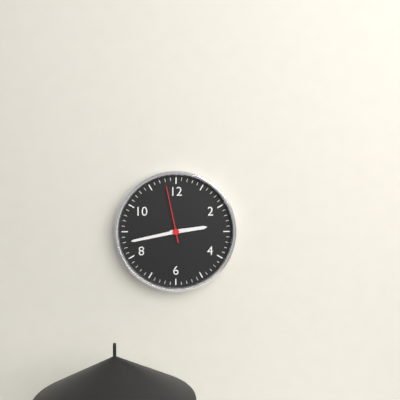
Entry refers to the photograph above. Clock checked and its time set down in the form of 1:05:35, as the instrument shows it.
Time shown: 2:43:58
